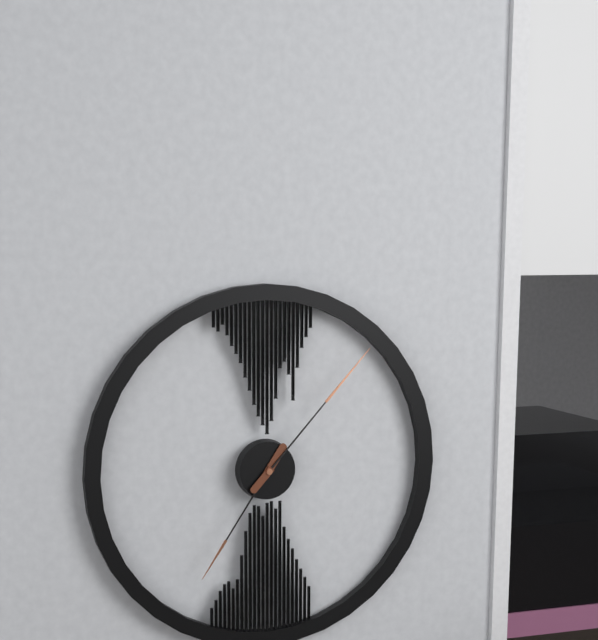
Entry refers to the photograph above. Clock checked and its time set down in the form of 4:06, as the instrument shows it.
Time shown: 7:07
